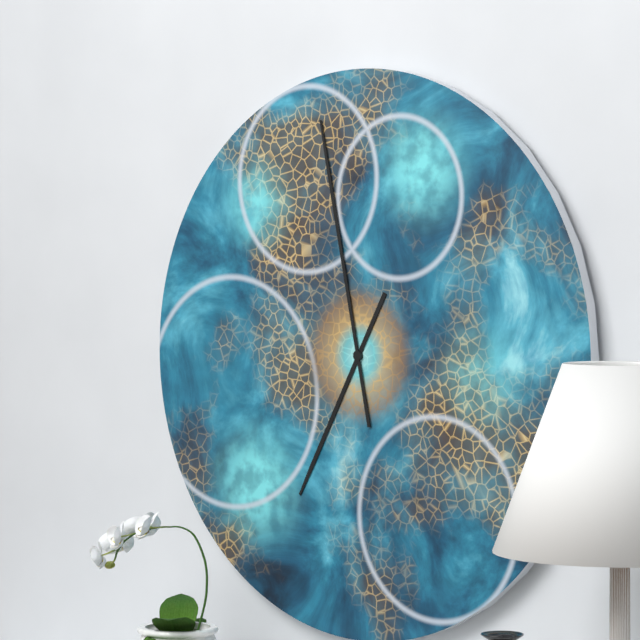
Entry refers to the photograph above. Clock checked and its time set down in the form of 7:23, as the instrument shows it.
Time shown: 6:58
